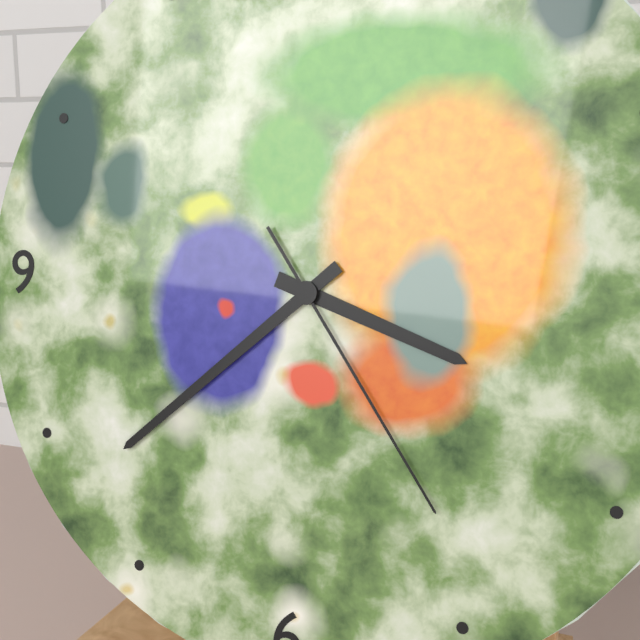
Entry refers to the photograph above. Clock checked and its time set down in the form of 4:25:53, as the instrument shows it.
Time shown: 3:38:24
